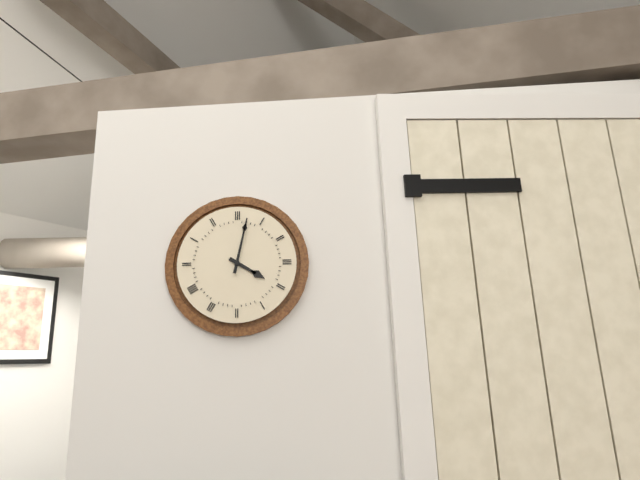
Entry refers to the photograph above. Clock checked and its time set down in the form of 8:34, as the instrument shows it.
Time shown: 4:02
